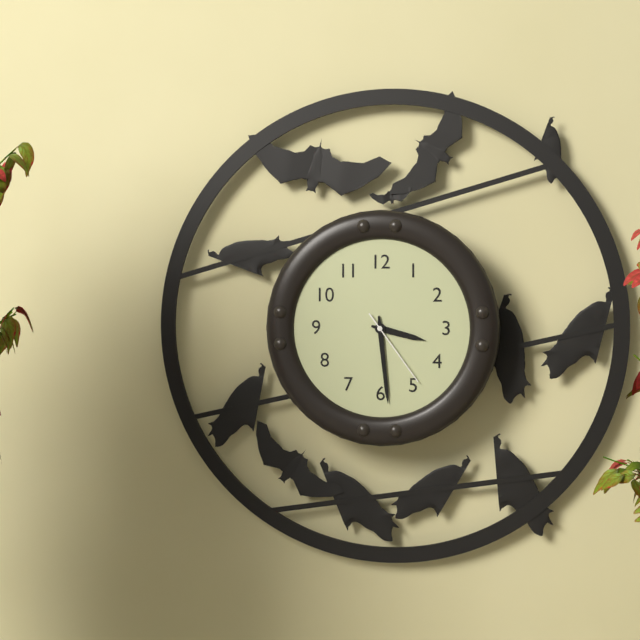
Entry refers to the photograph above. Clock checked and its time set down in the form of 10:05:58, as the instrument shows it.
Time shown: 3:29:24
